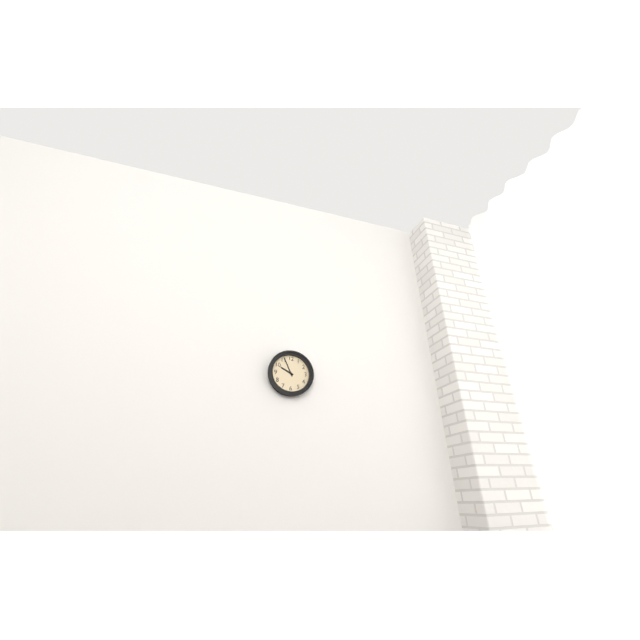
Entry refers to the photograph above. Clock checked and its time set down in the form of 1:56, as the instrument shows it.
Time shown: 9:56
